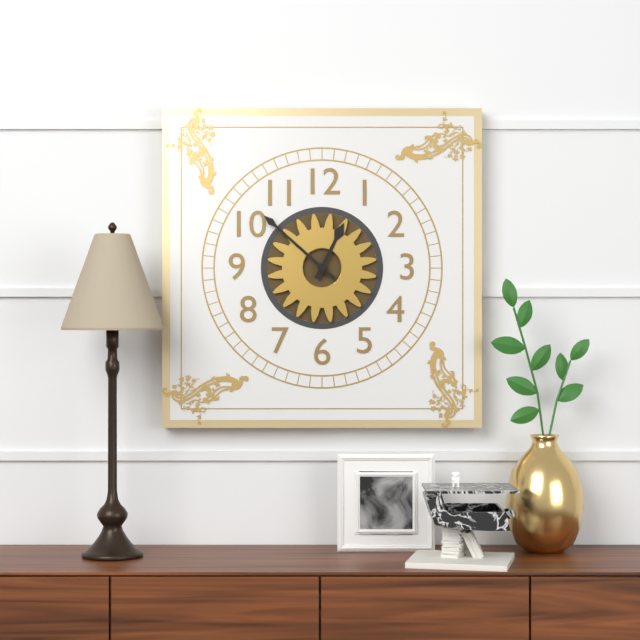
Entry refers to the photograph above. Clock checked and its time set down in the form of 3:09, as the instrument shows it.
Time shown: 12:52
